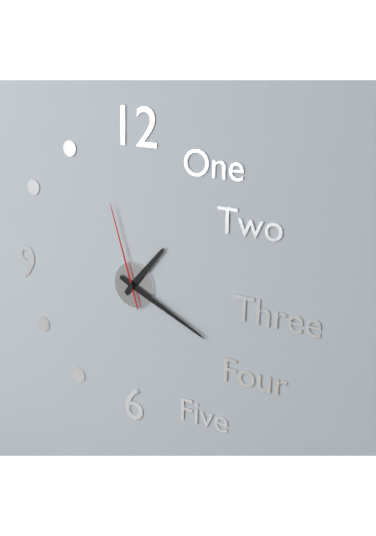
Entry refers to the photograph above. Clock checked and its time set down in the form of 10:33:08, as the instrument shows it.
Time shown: 1:19:57
